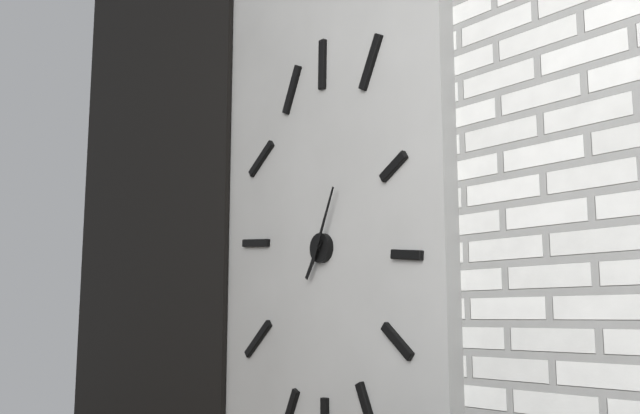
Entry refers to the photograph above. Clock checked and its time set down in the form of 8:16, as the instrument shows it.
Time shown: 7:04
